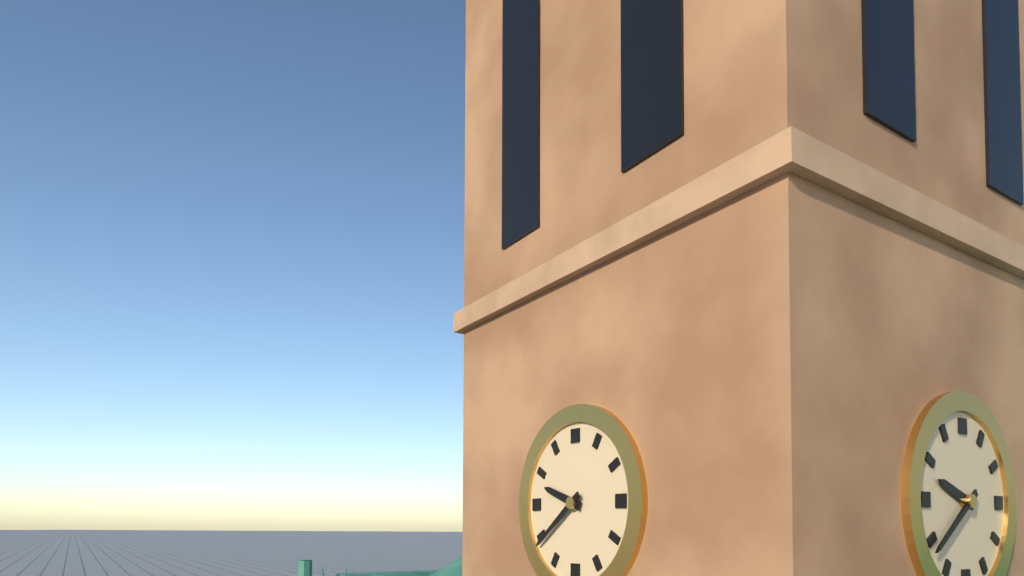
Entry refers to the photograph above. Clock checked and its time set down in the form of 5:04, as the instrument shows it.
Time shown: 9:39
